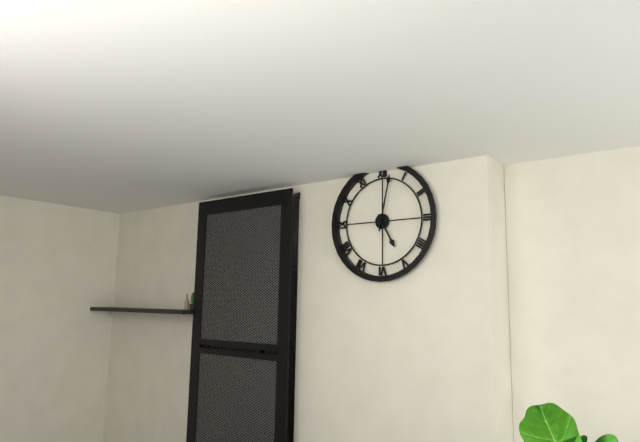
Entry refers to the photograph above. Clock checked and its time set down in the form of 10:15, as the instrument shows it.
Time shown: 5:02
